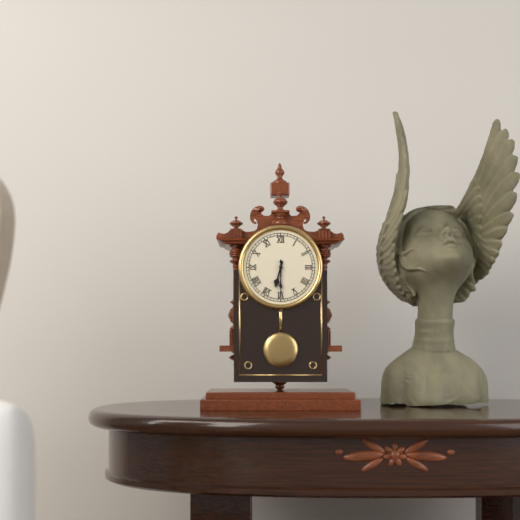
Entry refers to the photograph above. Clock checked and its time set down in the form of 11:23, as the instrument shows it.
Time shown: 6:30
